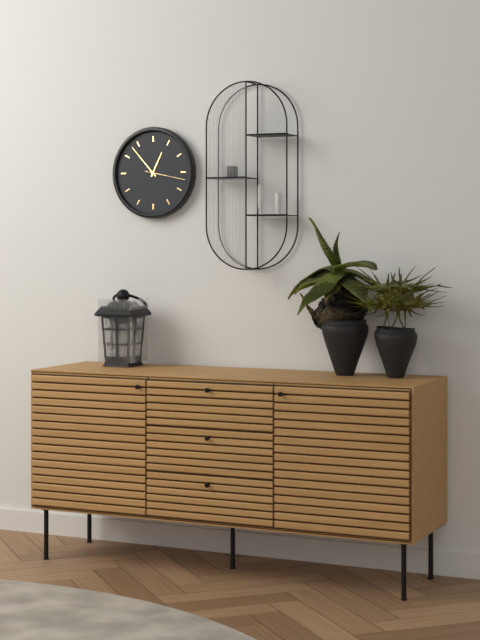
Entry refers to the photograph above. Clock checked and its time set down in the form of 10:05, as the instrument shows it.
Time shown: 12:53
